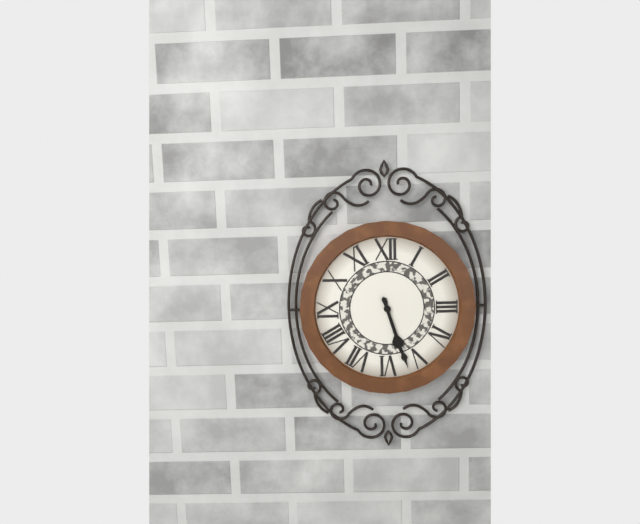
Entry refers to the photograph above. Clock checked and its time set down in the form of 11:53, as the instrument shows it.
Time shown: 5:27
